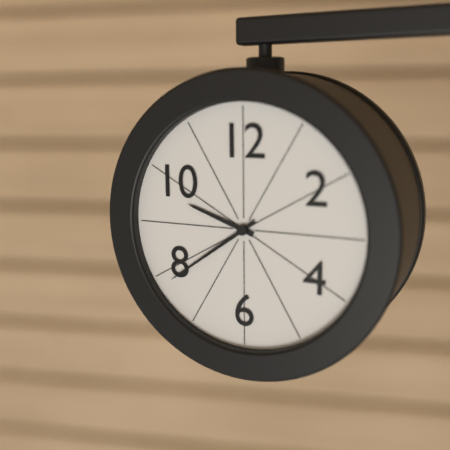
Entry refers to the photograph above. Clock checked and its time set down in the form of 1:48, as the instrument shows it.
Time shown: 9:39
